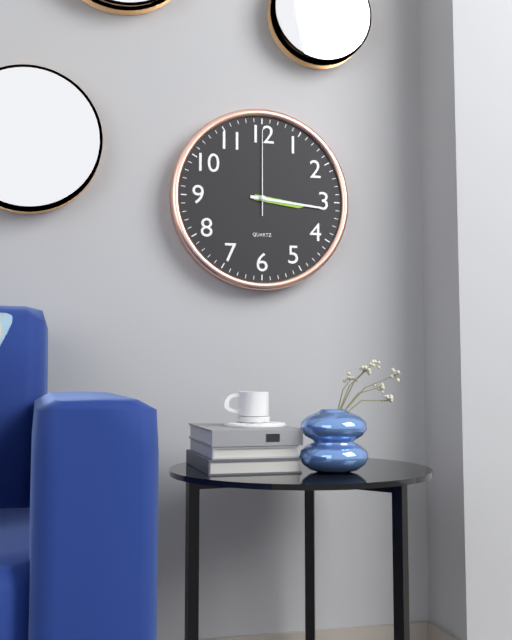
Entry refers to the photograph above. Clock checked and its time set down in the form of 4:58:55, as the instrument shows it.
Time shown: 3:16:00
